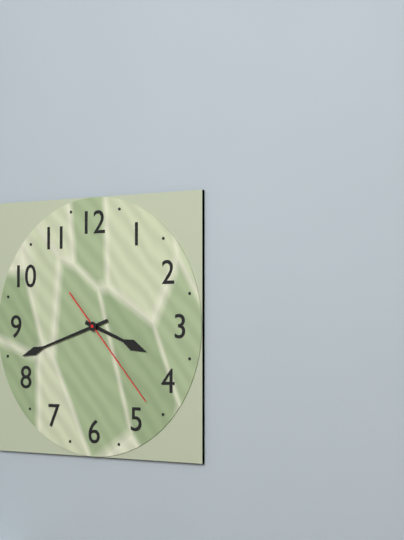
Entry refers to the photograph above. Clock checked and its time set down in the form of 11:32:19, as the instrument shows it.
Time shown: 3:42:23
